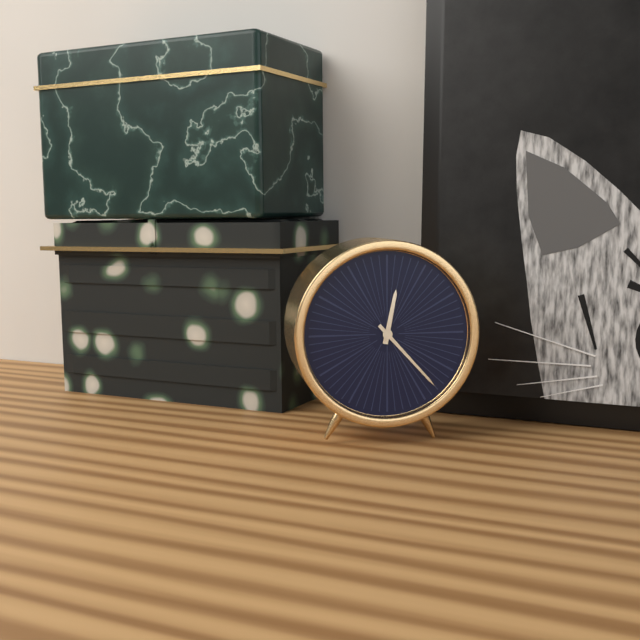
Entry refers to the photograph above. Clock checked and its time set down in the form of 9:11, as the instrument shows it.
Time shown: 12:23
